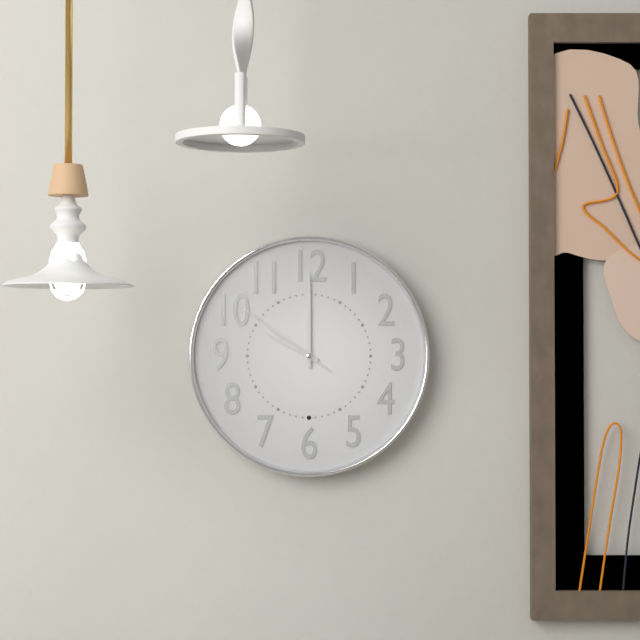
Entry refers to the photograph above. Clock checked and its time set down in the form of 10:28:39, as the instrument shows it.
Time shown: 10:00:51
